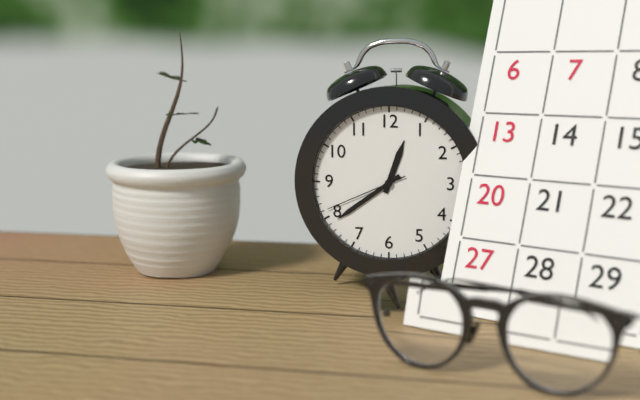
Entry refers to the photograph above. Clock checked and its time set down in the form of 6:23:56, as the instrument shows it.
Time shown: 12:39:41
